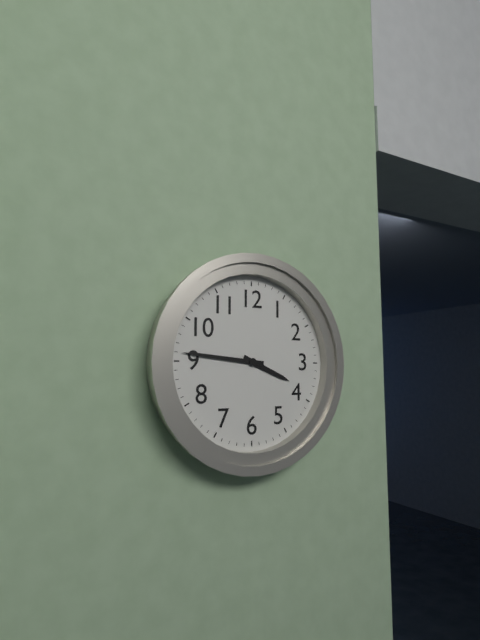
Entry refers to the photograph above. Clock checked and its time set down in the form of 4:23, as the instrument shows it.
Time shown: 3:46
